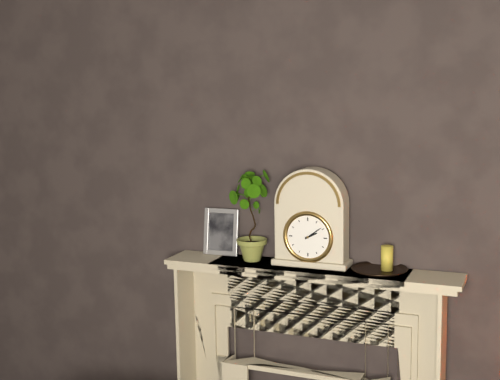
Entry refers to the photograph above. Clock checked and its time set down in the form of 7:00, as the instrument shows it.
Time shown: 2:09
